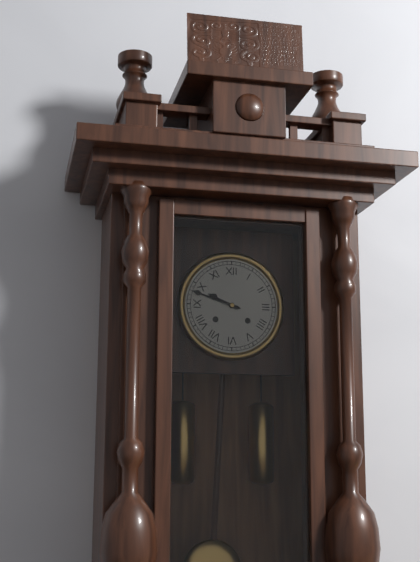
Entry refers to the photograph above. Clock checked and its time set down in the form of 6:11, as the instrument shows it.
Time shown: 9:48
